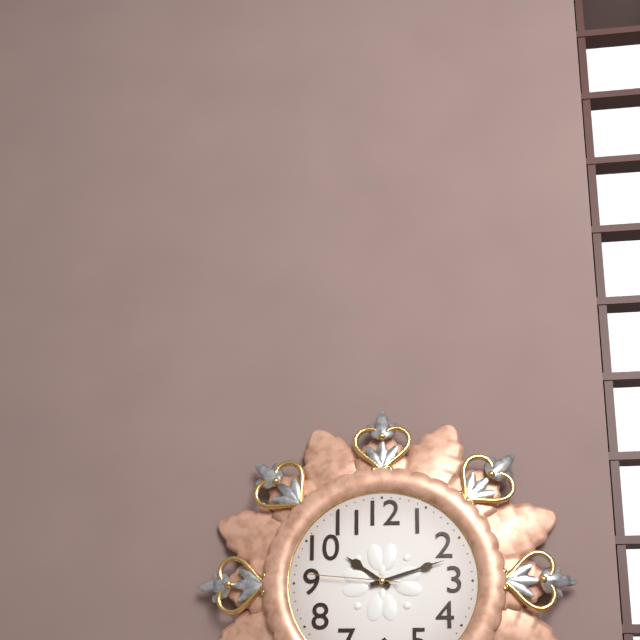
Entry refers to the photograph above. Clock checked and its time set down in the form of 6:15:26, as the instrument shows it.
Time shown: 10:12:46
